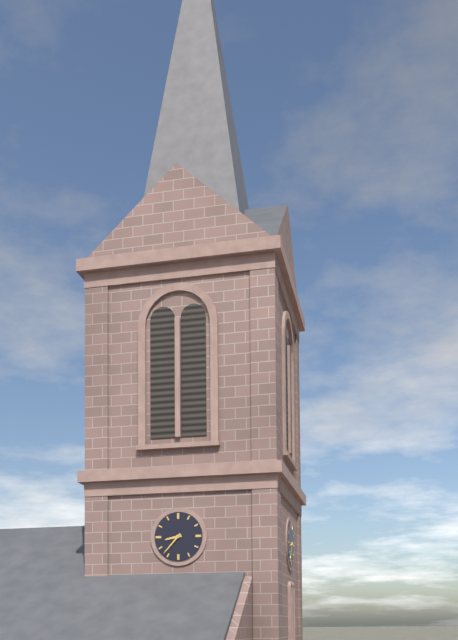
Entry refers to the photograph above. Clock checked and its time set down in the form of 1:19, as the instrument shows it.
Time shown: 8:37
